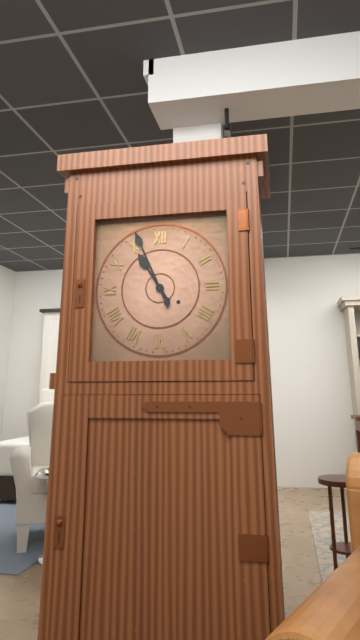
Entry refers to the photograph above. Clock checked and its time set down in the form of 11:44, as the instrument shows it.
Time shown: 10:56
